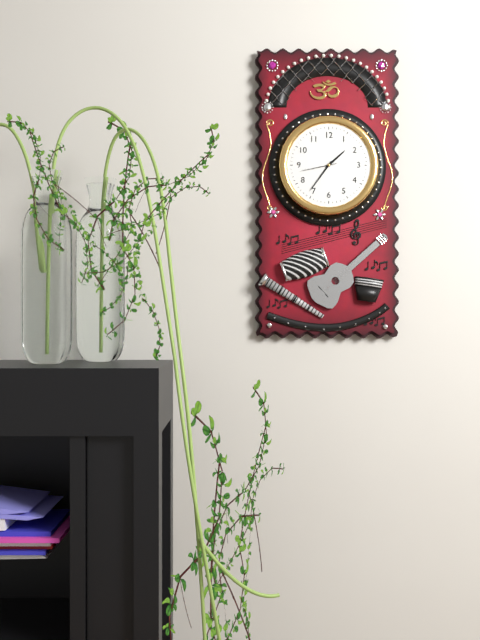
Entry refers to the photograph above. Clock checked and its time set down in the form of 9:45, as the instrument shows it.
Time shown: 1:36
